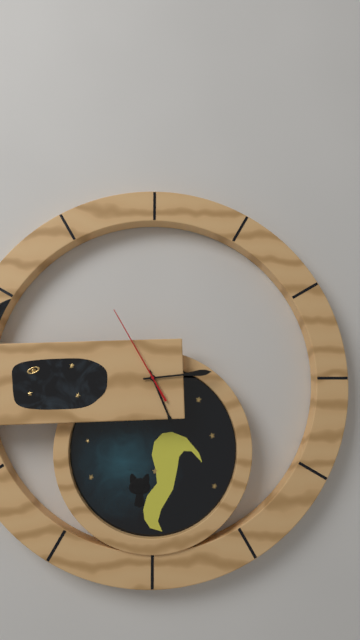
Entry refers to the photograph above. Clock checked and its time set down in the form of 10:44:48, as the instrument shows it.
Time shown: 5:14:55
